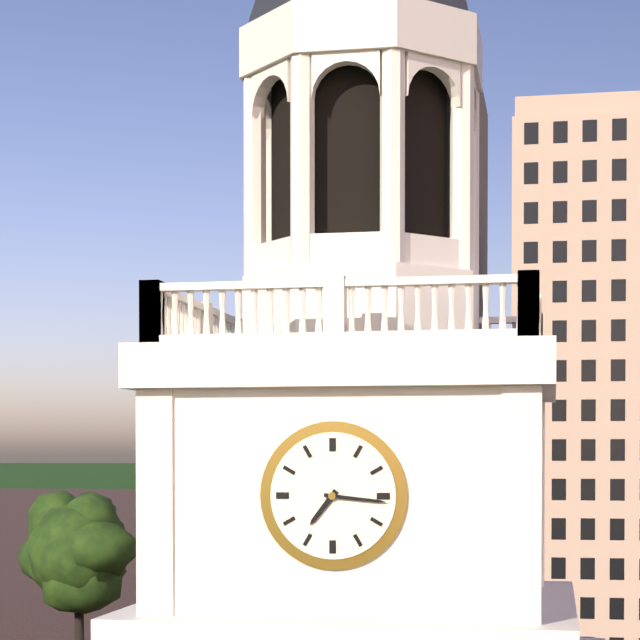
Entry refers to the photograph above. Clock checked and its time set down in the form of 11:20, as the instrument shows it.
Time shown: 7:16
